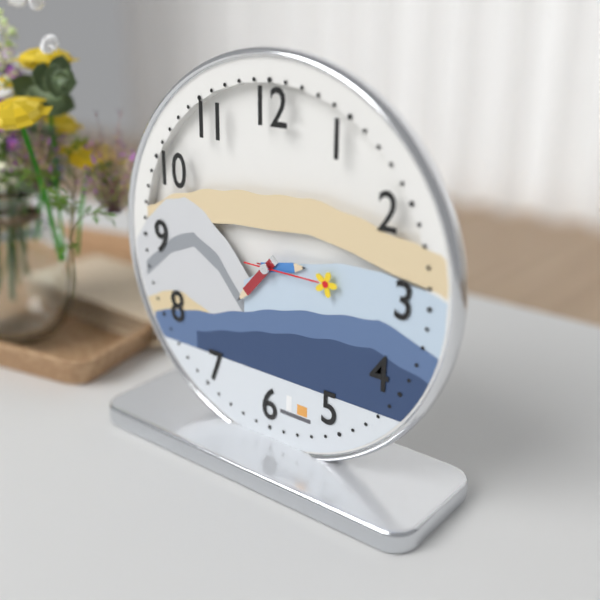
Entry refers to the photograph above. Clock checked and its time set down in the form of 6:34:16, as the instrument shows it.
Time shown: 2:37:15
